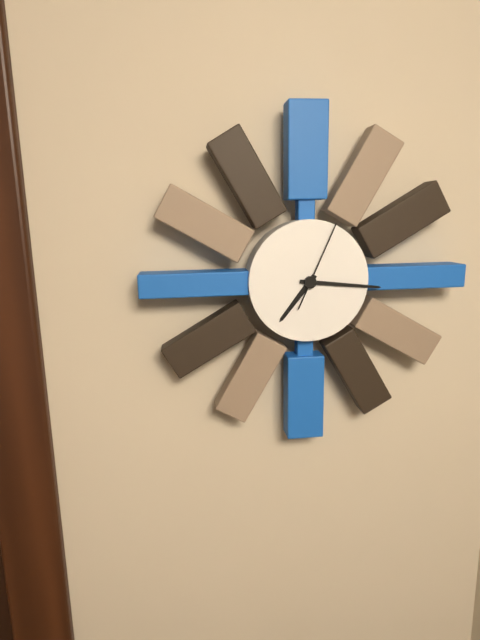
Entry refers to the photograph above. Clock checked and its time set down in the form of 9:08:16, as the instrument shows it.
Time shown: 7:16:04
